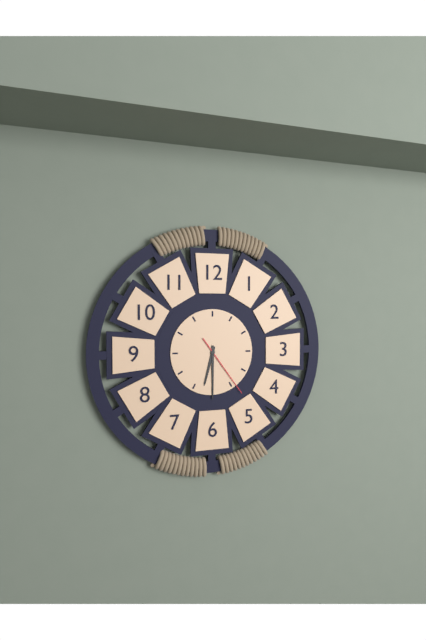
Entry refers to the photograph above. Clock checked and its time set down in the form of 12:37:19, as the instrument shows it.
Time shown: 6:30:24
